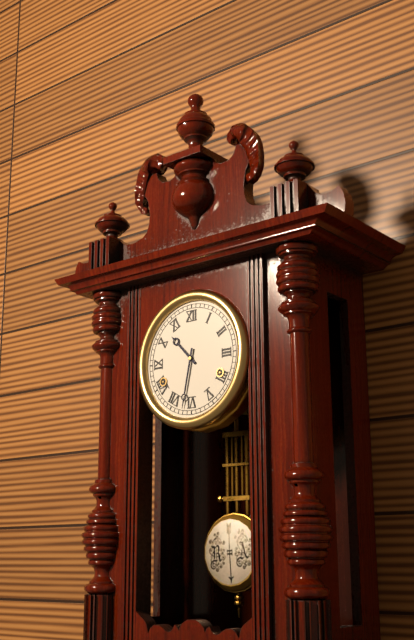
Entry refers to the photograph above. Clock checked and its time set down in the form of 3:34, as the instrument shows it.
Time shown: 10:32
